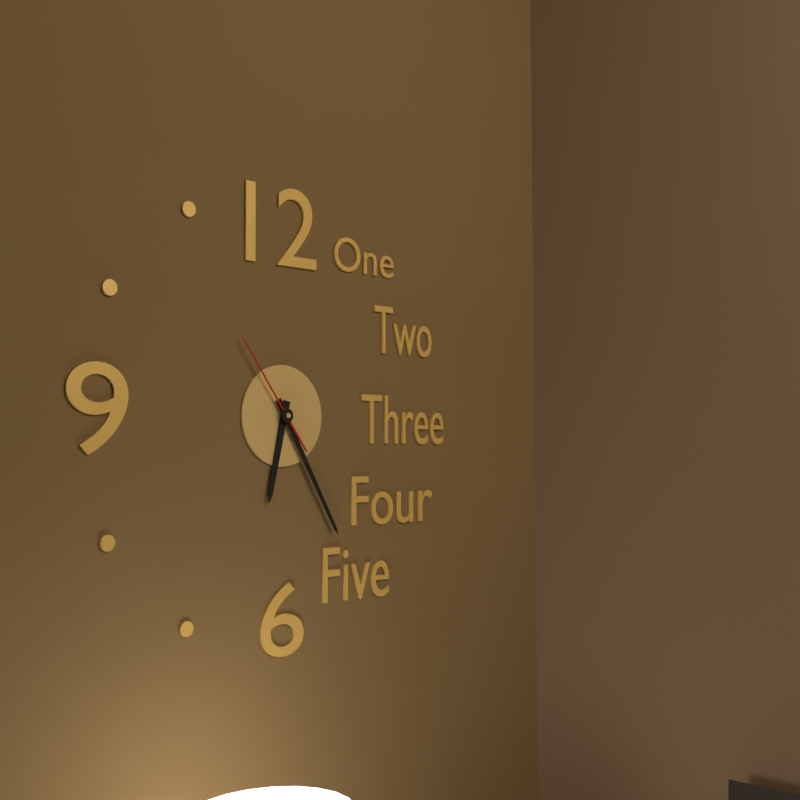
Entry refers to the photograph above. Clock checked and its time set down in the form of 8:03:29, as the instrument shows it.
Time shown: 6:25:54
